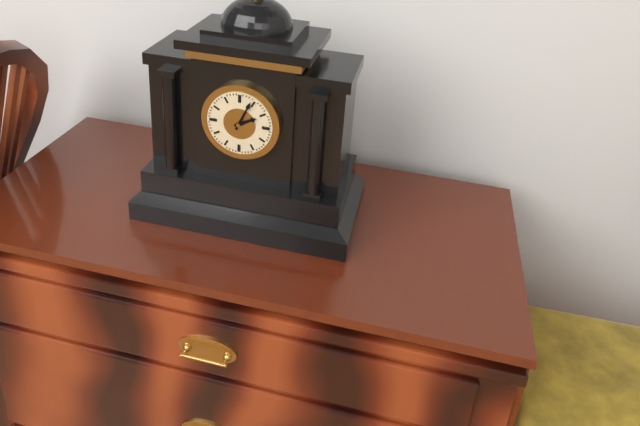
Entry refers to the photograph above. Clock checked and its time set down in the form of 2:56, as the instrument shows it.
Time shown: 2:04
